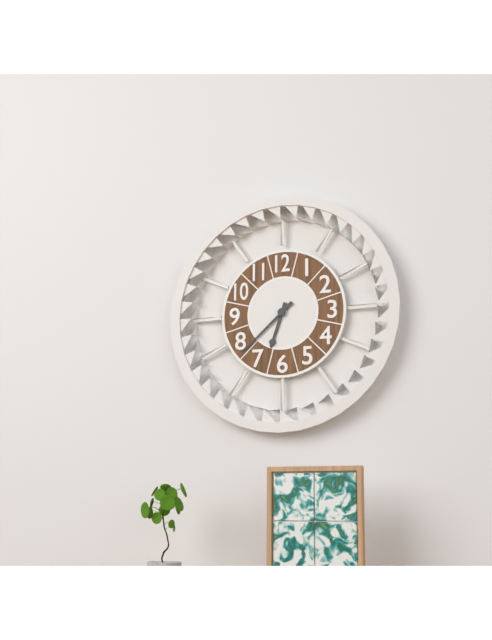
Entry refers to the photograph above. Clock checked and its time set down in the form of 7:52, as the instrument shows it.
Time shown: 6:38
